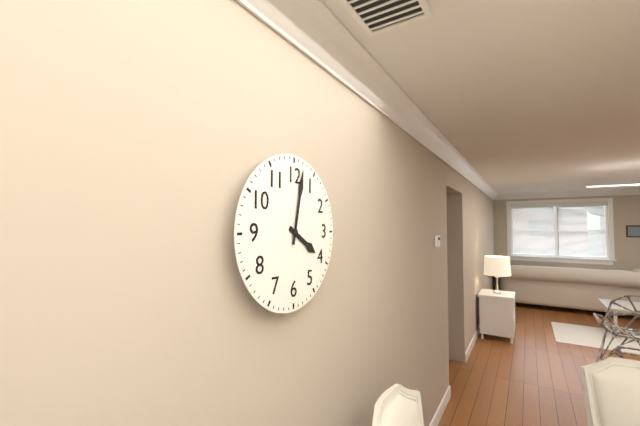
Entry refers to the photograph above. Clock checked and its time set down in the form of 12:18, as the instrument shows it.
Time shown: 4:02
